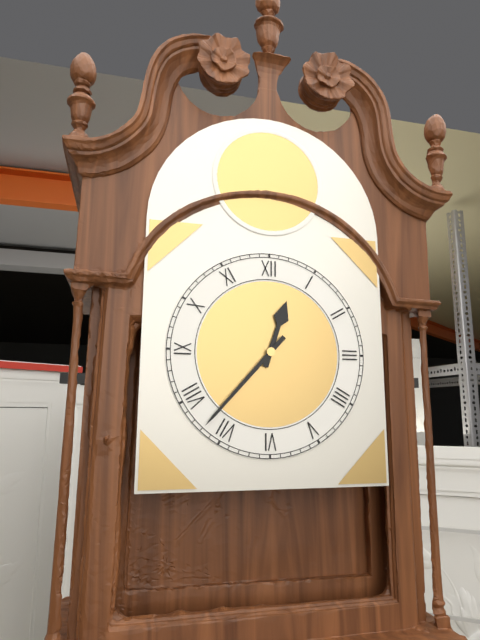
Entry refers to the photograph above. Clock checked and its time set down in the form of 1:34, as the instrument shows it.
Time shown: 12:37
